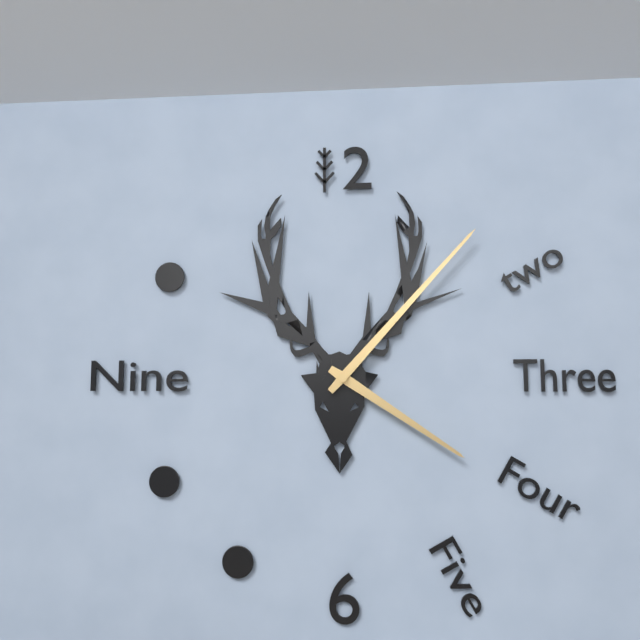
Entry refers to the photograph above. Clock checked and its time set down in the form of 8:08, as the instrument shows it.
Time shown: 4:07
